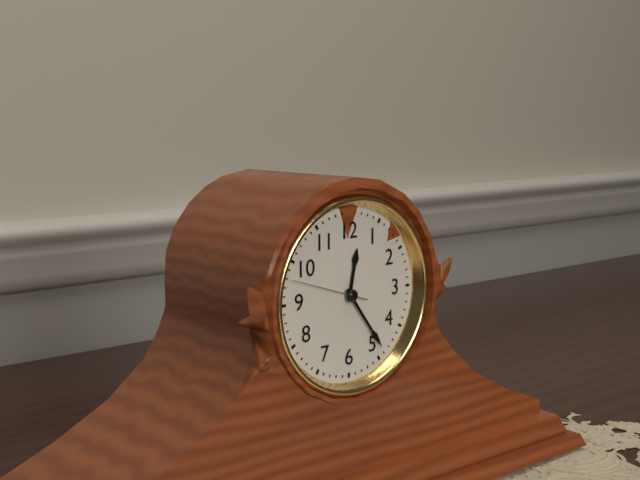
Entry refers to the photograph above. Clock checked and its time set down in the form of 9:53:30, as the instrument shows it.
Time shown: 12:24:48
